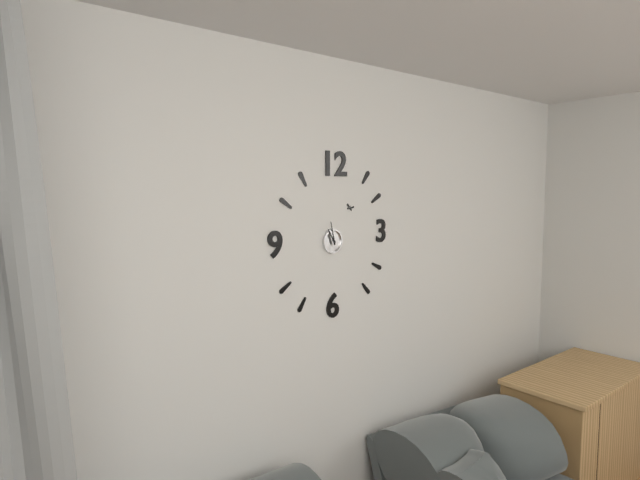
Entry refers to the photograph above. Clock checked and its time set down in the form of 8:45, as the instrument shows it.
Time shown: 10:58
